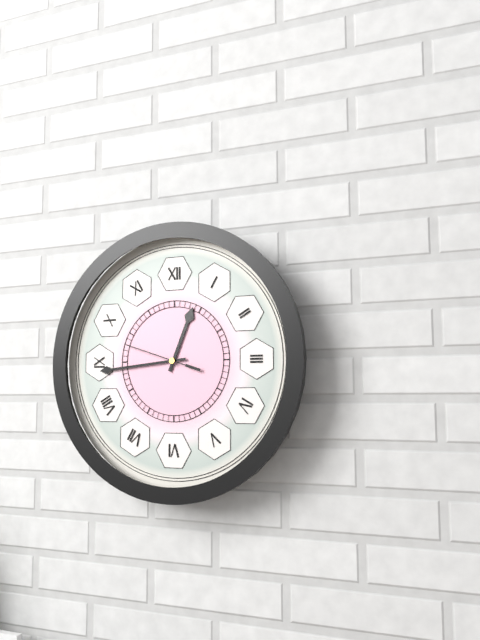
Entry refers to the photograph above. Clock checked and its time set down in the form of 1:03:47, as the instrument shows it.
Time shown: 12:44:48
